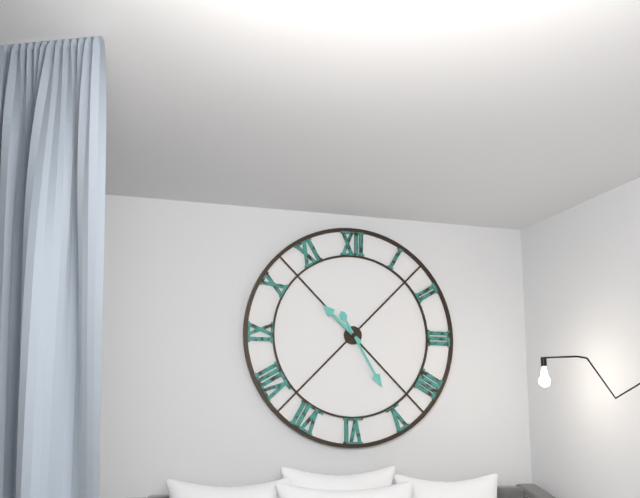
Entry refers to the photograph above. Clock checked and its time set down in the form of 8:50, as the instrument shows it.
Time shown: 10:25
